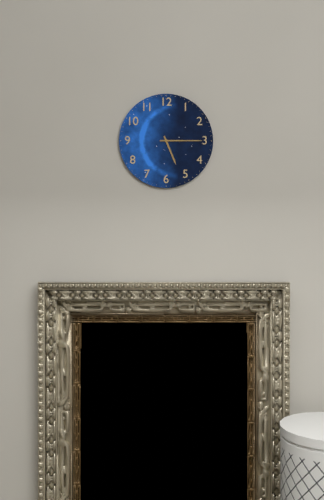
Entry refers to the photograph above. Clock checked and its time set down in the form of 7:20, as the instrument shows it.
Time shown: 5:15
